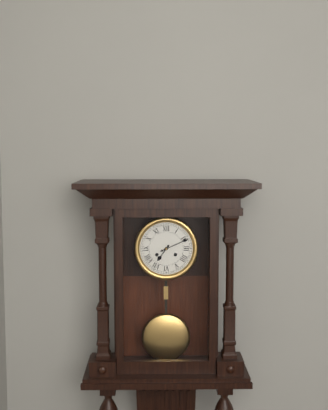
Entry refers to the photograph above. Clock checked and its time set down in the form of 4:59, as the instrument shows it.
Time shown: 7:11
